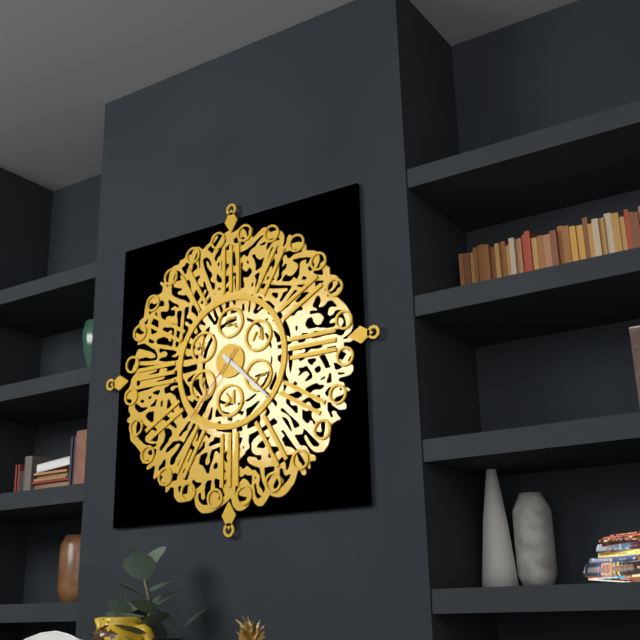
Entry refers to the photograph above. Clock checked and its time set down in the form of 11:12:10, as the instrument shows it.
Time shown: 4:22:37
